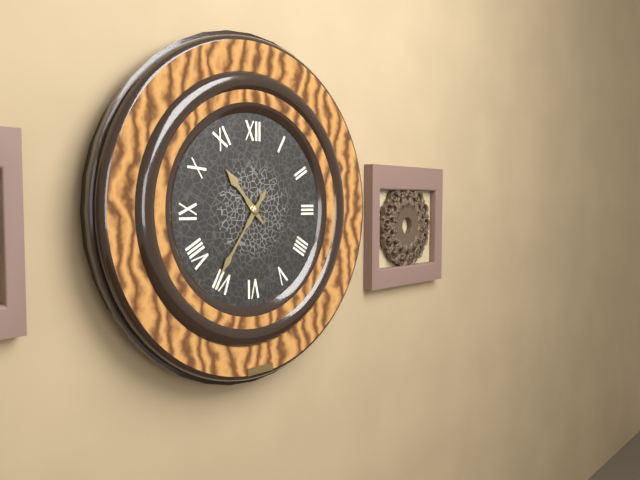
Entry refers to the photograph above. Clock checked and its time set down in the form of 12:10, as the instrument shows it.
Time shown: 10:36
